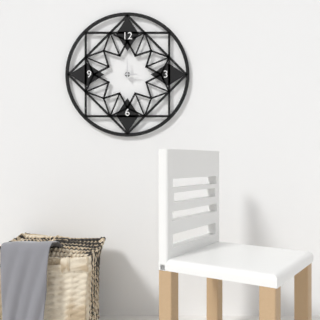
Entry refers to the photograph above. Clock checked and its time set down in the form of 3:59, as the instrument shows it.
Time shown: 3:00
